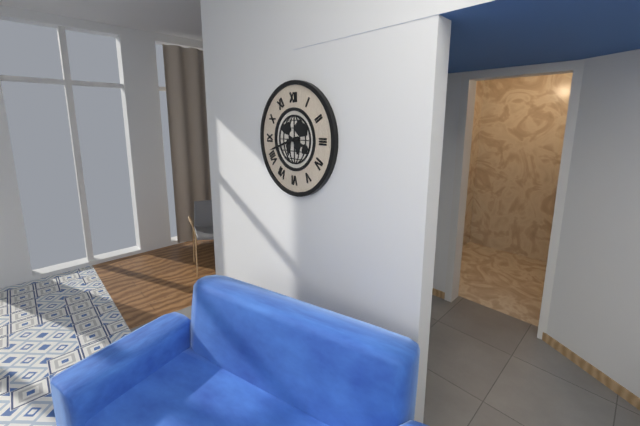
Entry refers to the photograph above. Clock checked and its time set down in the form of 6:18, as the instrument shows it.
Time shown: 3:42
